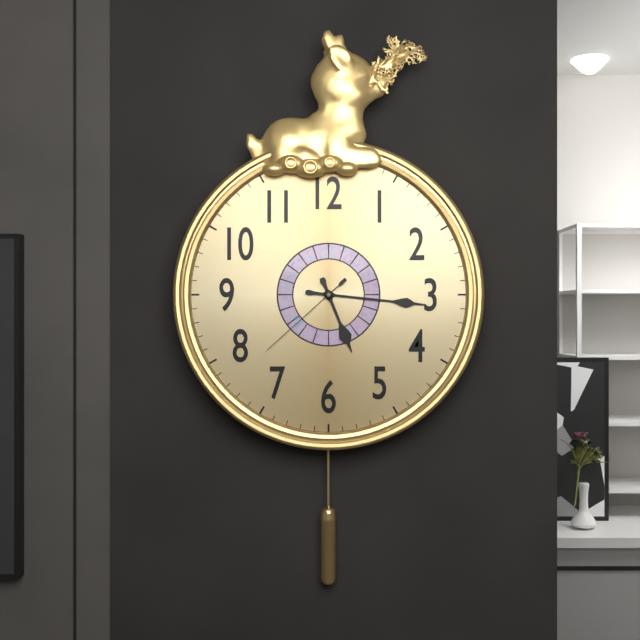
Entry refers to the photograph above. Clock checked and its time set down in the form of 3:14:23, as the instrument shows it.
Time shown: 5:16:38
